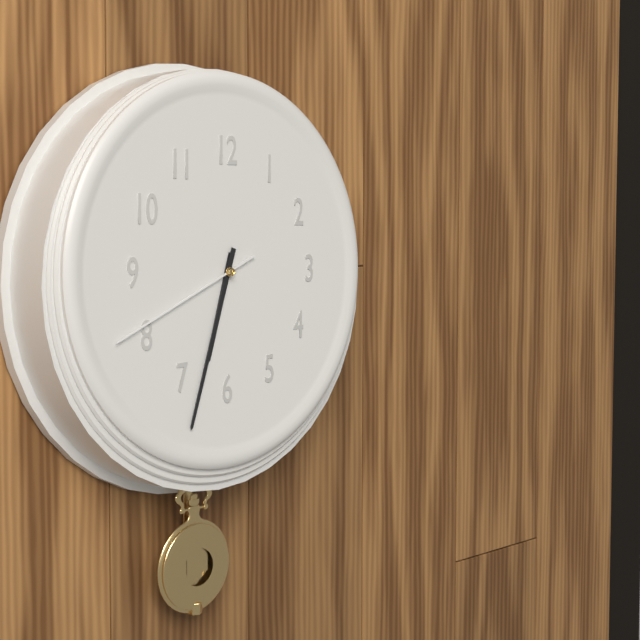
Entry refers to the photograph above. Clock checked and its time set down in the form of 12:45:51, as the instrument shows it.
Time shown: 6:33:41
